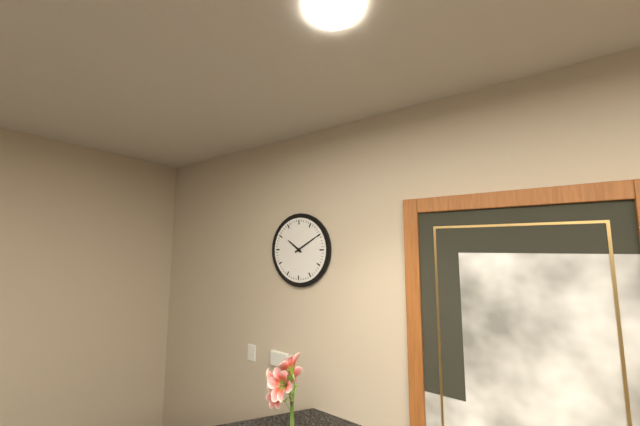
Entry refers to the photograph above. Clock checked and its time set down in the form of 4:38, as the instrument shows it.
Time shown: 10:10
